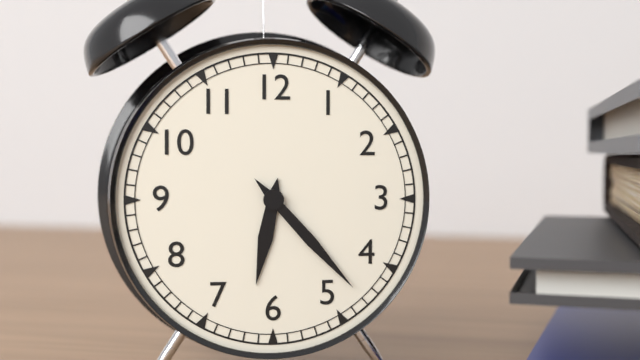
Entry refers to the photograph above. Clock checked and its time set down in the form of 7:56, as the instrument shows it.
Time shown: 6:23
